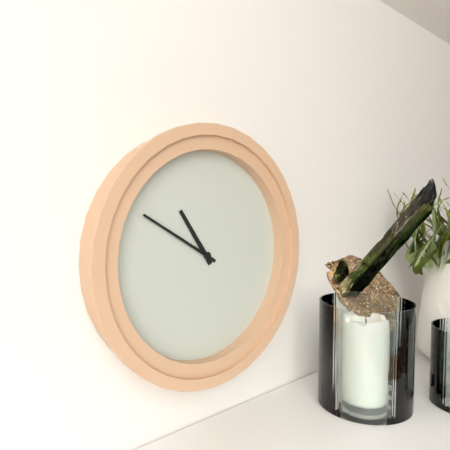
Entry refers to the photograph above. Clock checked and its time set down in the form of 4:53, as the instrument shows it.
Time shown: 10:50
